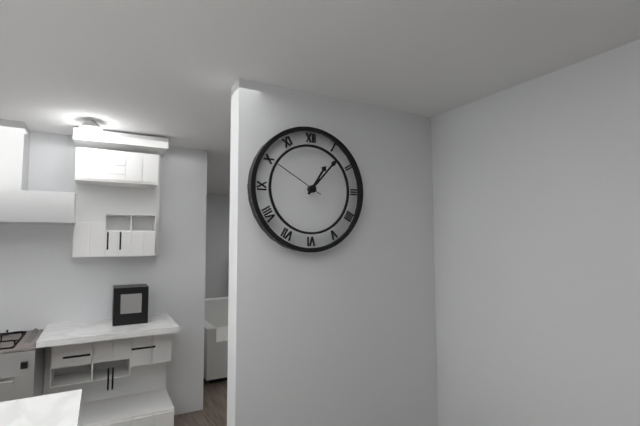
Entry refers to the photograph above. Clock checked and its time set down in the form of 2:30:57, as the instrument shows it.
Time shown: 1:07:50
